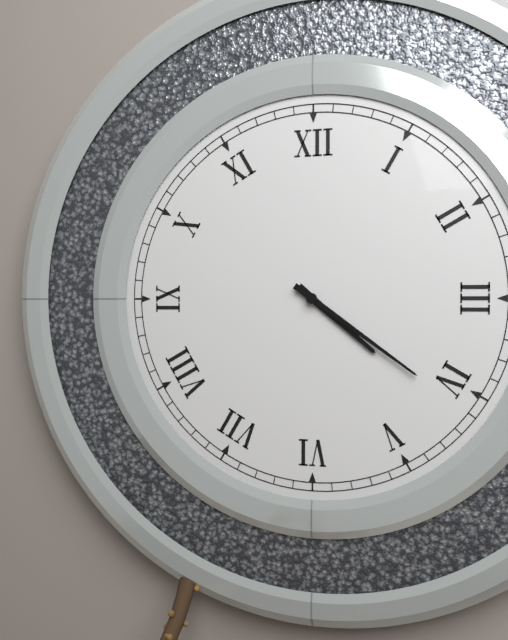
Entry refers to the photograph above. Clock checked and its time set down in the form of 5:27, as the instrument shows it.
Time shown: 4:21
